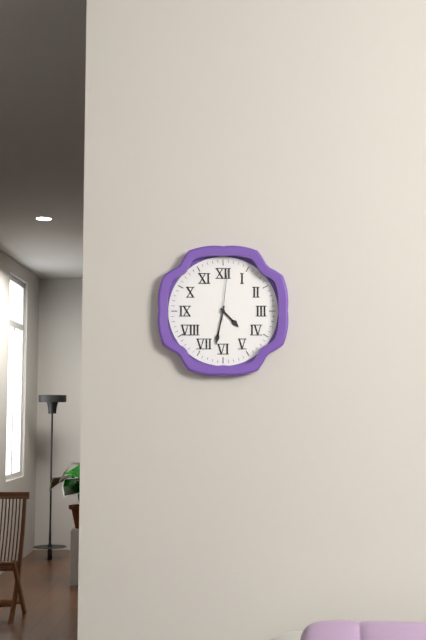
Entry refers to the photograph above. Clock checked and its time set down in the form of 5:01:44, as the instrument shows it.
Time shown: 4:32:01
